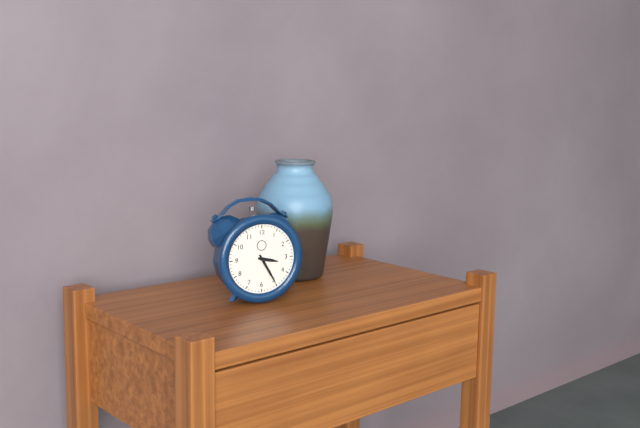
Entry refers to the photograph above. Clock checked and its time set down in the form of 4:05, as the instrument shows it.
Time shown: 3:25
